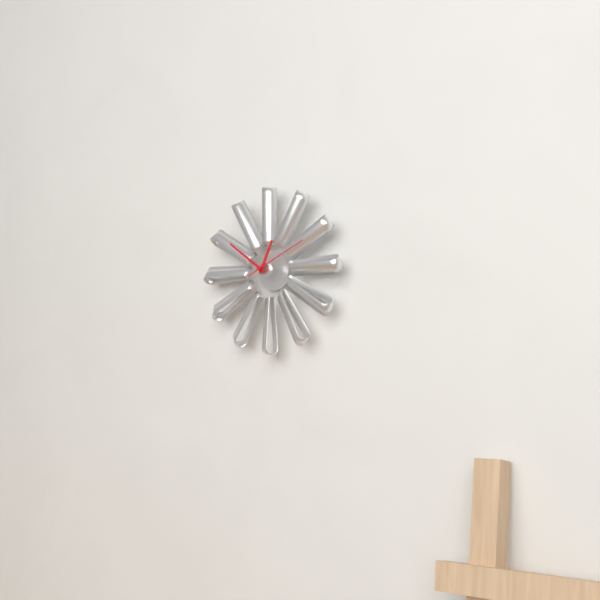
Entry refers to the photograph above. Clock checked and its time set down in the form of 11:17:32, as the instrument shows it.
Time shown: 12:51:11
